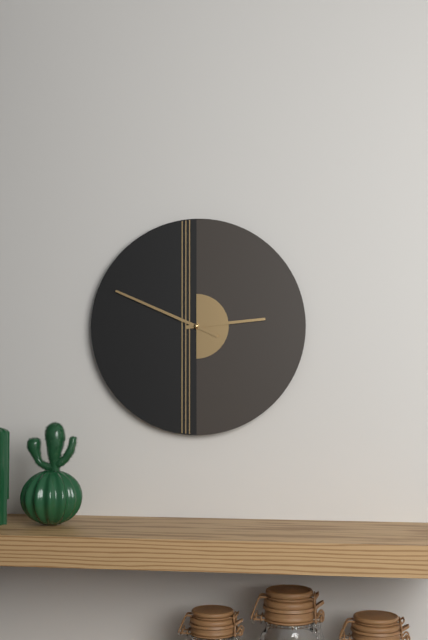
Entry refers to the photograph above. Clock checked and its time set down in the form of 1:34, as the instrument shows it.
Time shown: 2:49
